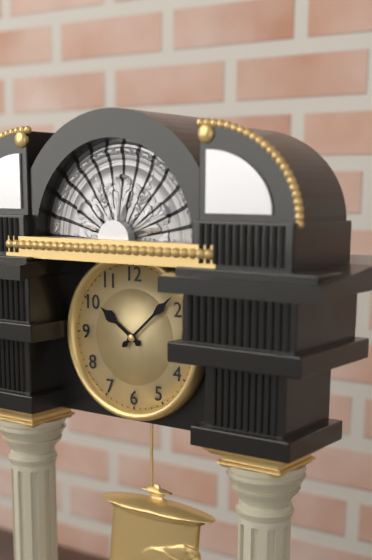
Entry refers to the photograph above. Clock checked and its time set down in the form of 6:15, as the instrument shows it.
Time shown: 10:08
